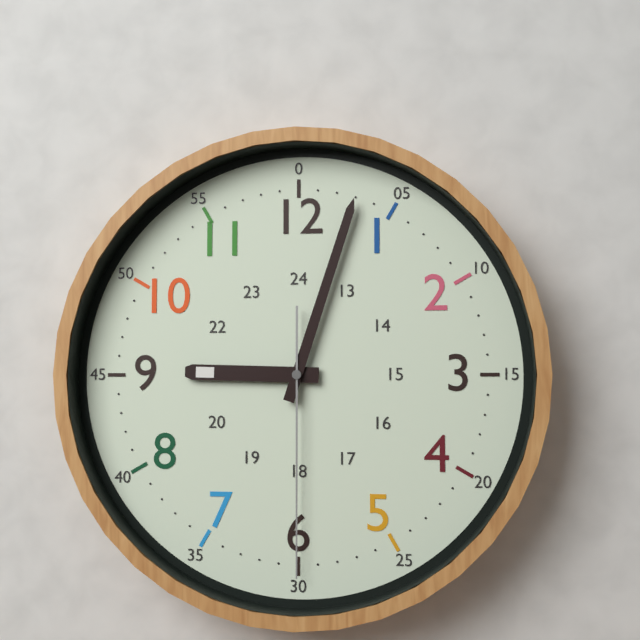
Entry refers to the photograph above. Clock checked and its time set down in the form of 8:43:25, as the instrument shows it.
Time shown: 9:03:30
